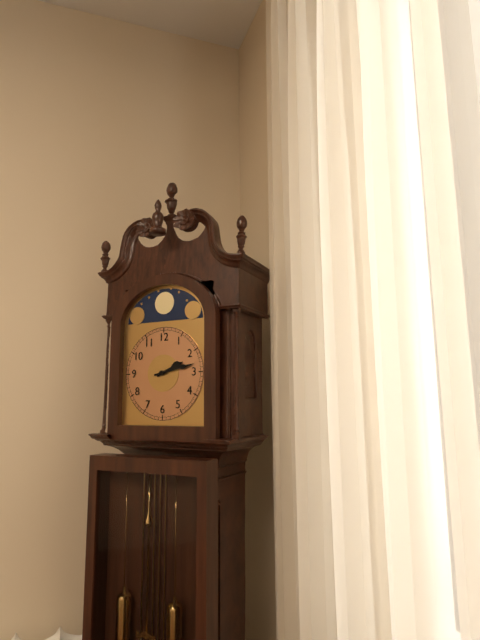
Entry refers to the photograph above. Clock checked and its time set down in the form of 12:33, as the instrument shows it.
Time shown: 2:13
